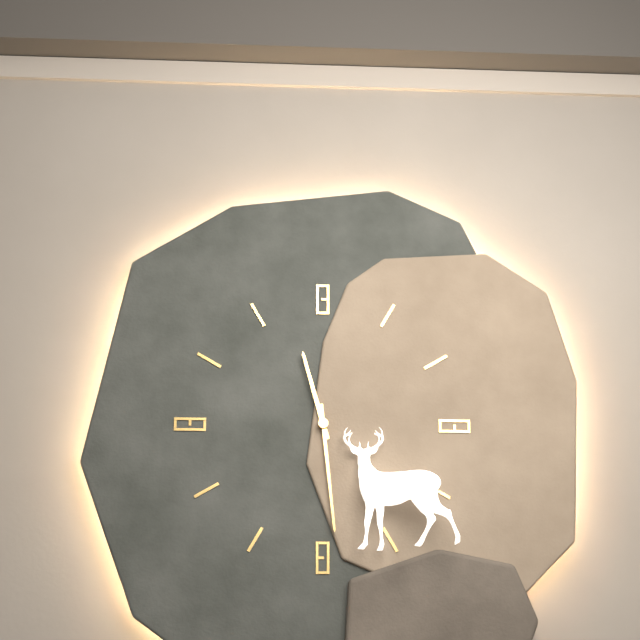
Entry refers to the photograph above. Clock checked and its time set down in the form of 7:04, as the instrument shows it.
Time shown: 11:29
